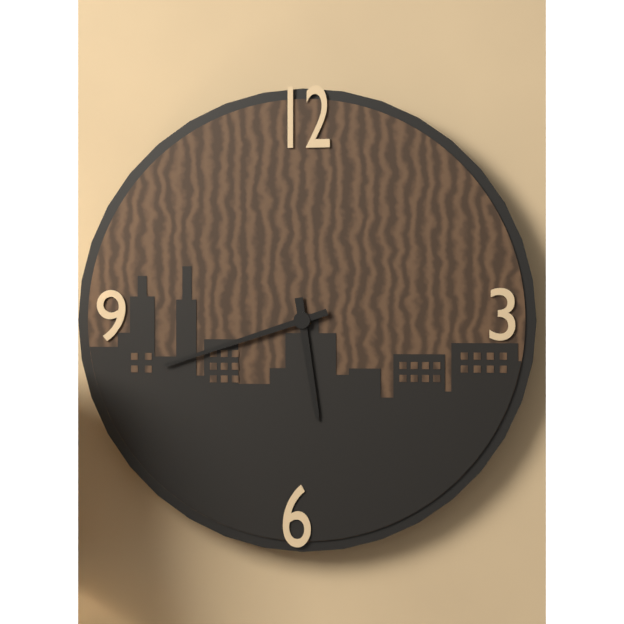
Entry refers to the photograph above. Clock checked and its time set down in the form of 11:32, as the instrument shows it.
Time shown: 5:42
